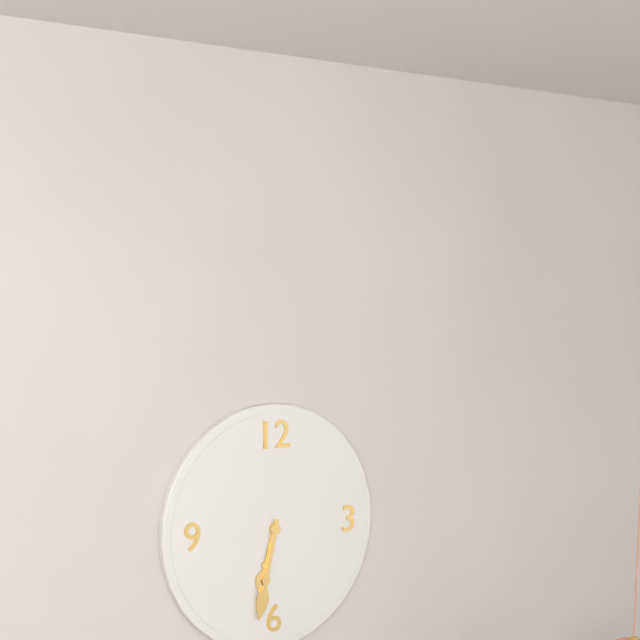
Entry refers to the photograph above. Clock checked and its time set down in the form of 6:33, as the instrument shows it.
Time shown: 6:32
